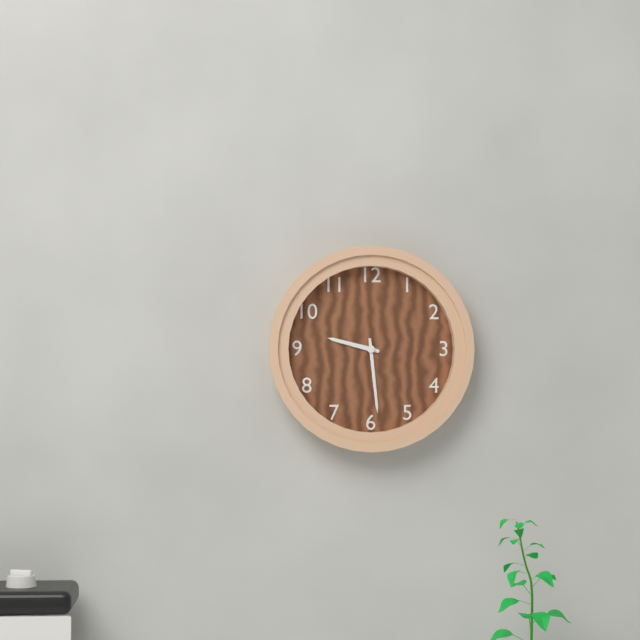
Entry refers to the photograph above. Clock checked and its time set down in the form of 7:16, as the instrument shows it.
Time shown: 9:29
